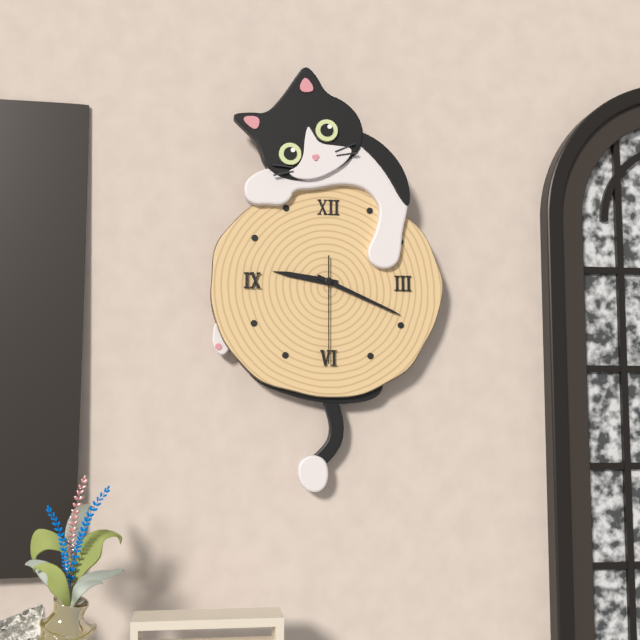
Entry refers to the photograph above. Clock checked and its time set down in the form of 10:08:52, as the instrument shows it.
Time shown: 9:19:30
